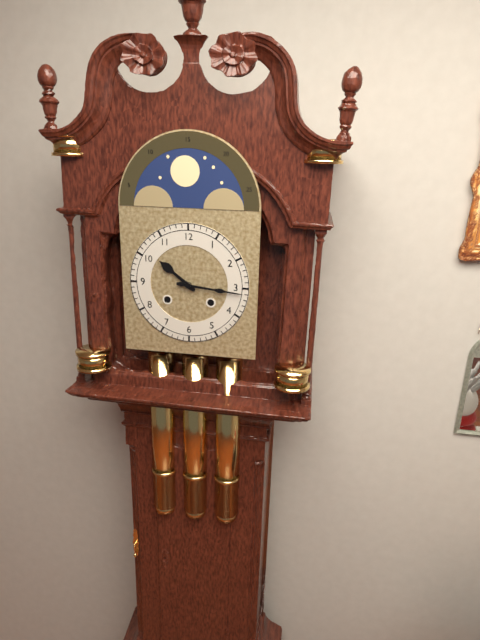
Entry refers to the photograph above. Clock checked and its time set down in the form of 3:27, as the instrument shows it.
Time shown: 10:16
